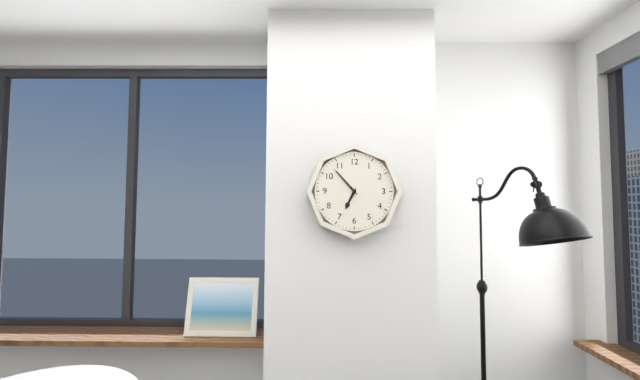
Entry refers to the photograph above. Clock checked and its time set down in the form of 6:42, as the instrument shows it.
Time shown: 6:53
